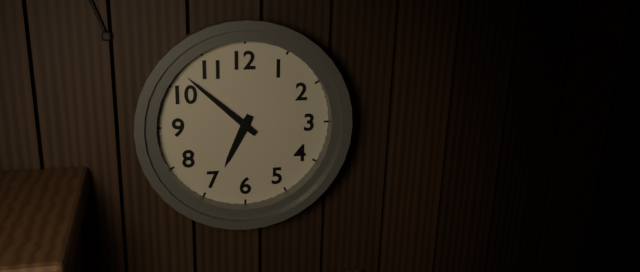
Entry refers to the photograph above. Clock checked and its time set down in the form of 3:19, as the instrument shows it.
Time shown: 6:52
